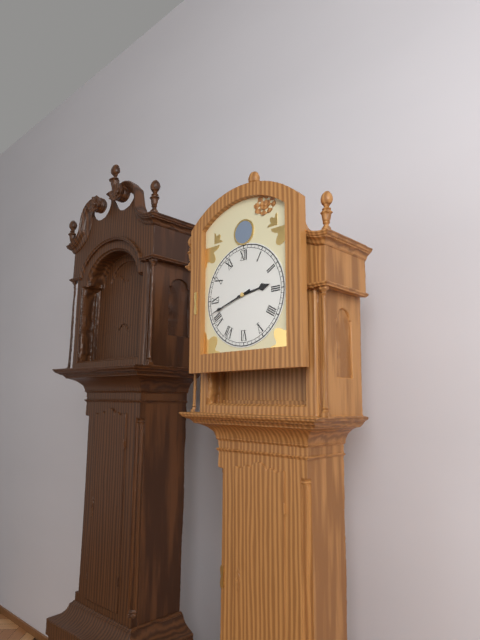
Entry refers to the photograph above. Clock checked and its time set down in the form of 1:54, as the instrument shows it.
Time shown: 2:42
